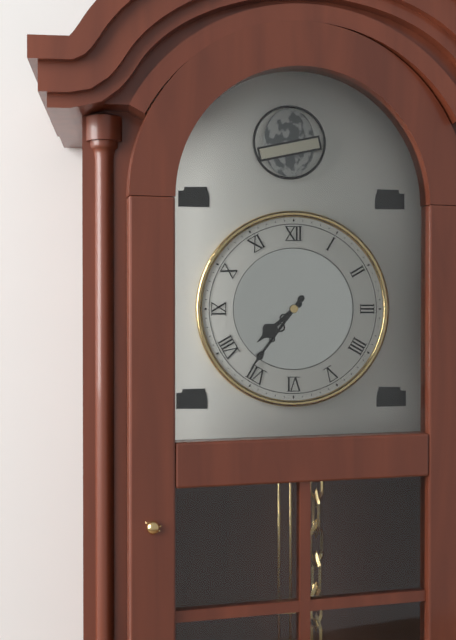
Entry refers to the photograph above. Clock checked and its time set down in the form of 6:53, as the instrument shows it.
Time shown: 7:36
